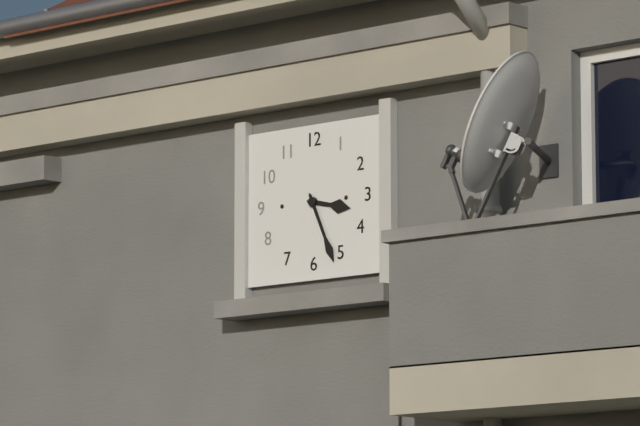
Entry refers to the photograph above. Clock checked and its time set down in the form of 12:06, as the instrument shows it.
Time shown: 3:26
